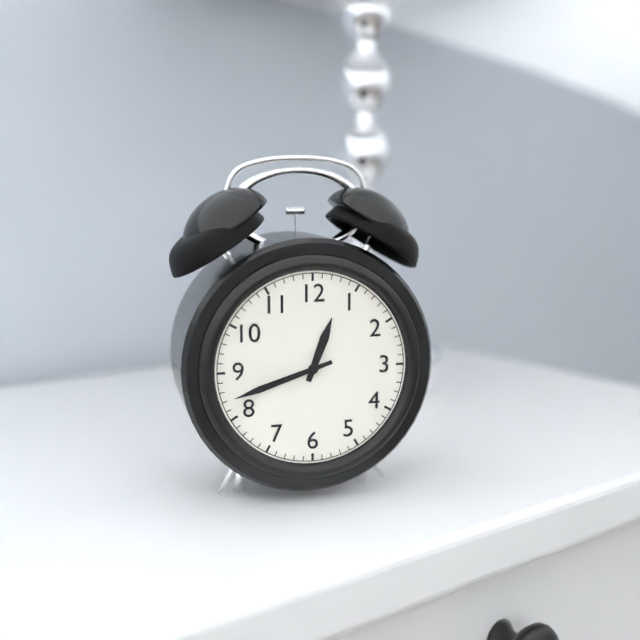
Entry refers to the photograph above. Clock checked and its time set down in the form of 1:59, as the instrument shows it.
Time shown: 12:42
